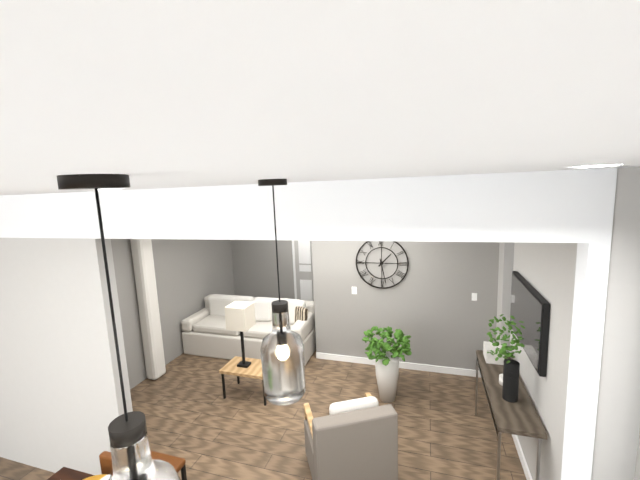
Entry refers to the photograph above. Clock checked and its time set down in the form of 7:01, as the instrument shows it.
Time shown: 1:28
